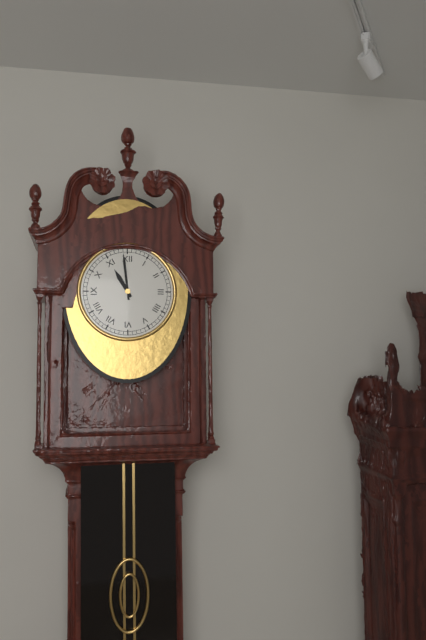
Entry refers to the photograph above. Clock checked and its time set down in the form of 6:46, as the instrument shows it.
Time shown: 10:59
